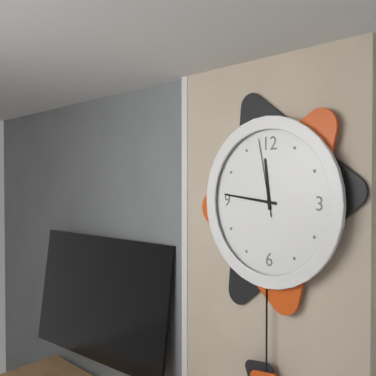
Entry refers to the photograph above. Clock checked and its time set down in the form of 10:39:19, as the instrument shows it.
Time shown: 11:46:58
